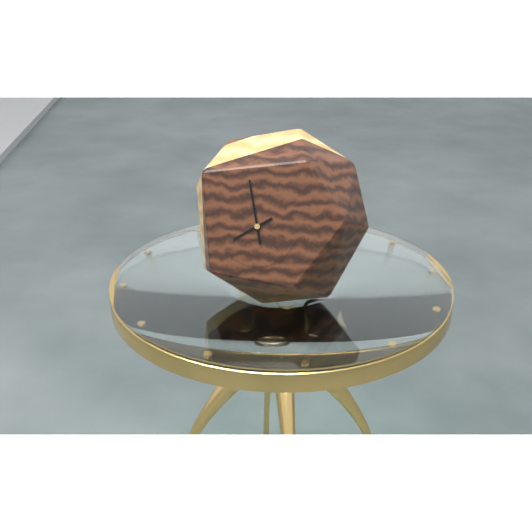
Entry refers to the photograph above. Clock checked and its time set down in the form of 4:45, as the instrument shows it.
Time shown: 7:58
